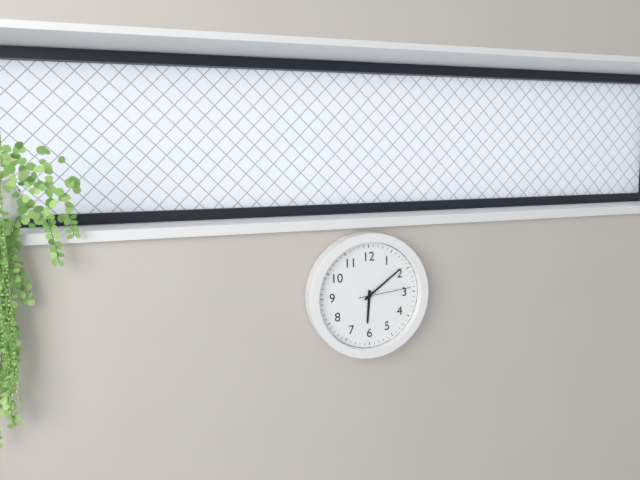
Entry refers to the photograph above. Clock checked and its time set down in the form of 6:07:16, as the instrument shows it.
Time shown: 6:09:14
